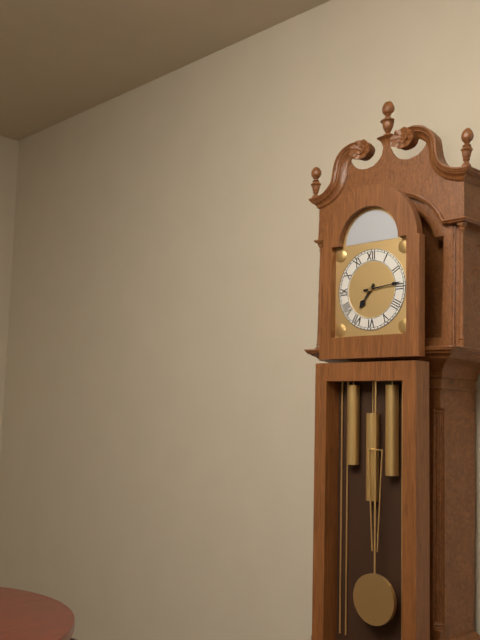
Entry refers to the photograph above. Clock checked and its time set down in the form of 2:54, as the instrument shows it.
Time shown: 7:14
